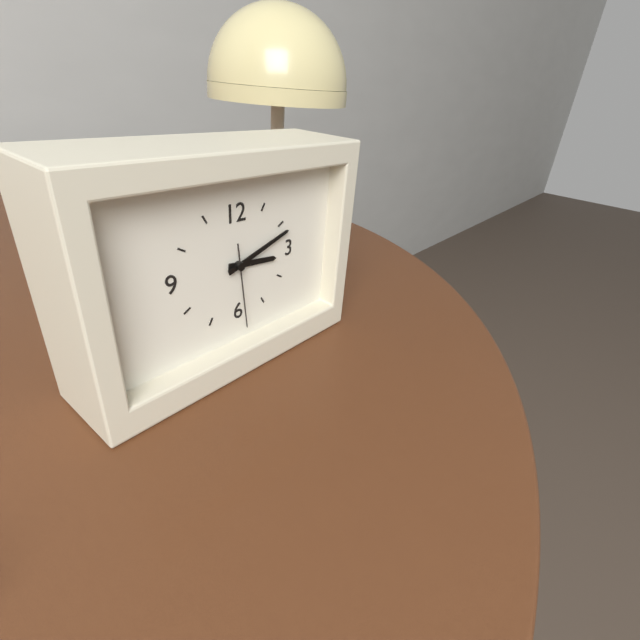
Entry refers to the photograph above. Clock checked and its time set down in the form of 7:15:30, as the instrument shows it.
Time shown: 3:12:29
